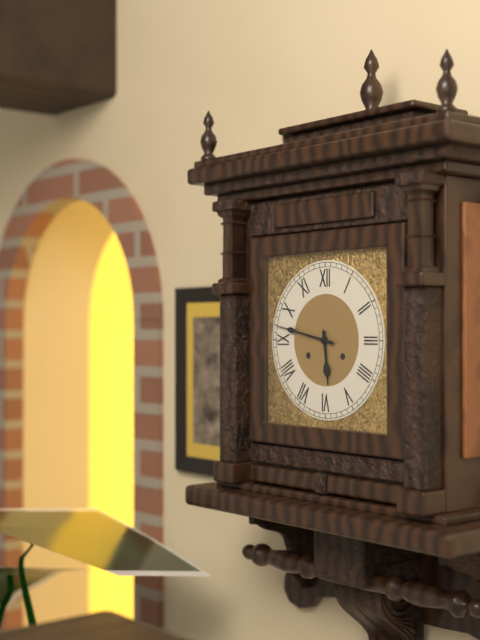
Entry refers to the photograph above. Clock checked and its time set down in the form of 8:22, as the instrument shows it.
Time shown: 5:47
